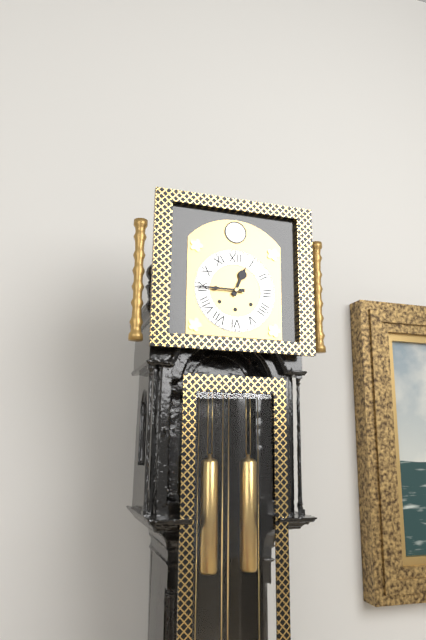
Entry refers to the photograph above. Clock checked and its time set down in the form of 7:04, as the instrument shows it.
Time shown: 12:45
